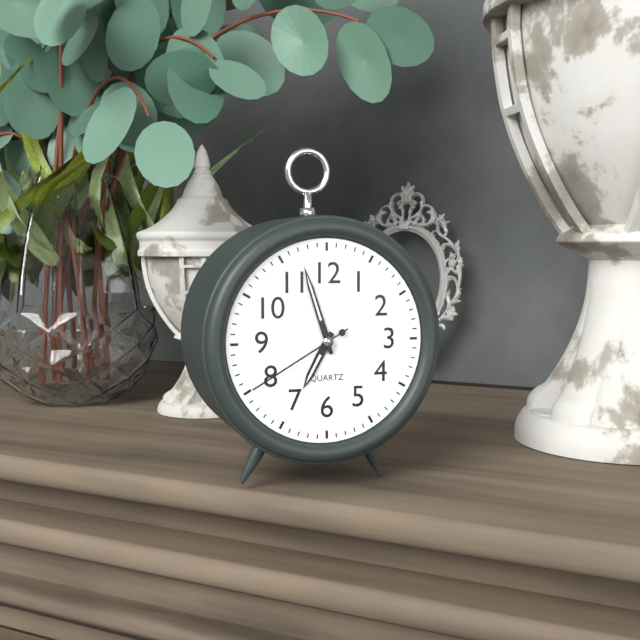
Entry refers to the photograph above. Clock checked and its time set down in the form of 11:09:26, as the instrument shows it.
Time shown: 6:57:40
